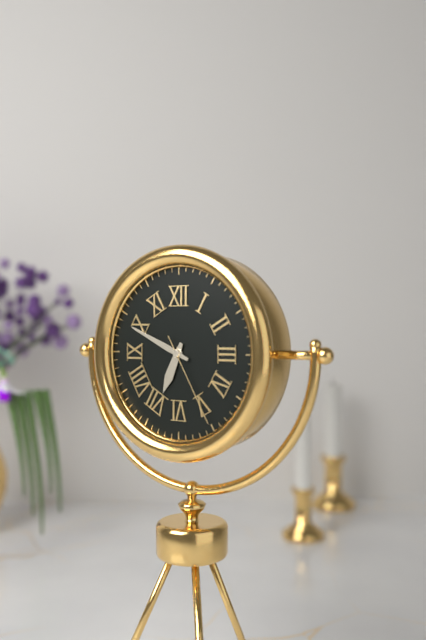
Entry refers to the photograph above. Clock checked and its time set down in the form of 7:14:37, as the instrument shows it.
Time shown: 6:49:25
